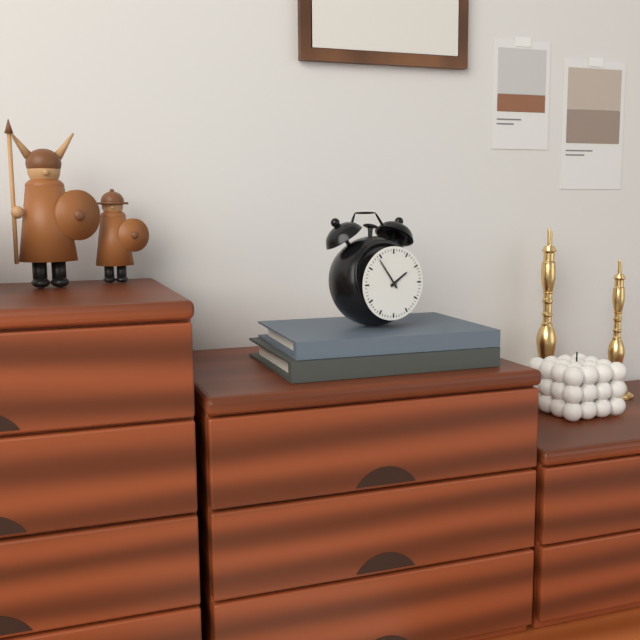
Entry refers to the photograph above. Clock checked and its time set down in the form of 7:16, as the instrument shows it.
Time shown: 1:54
